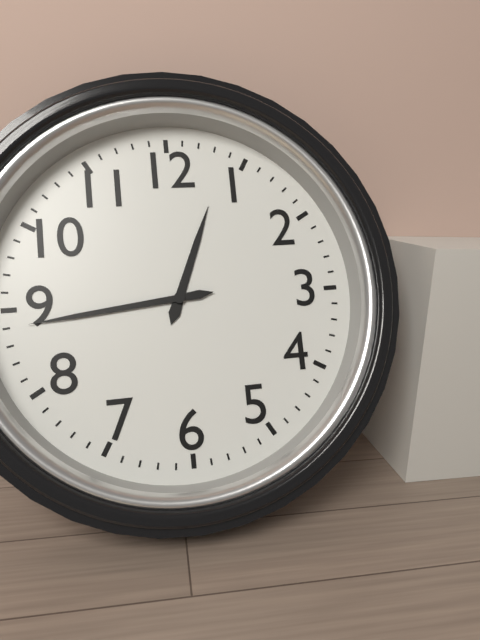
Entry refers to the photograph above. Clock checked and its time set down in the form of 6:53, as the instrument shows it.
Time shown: 12:44
